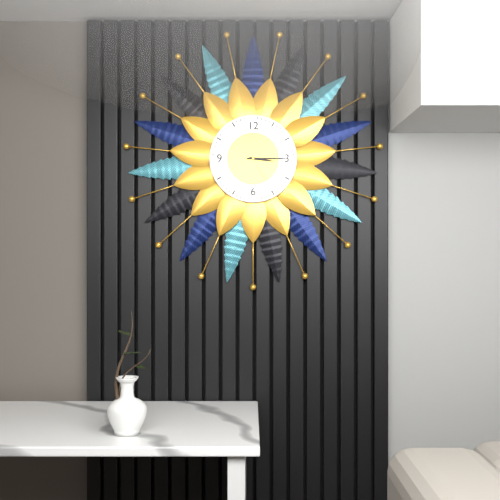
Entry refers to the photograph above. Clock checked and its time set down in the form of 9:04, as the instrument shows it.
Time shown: 3:15
